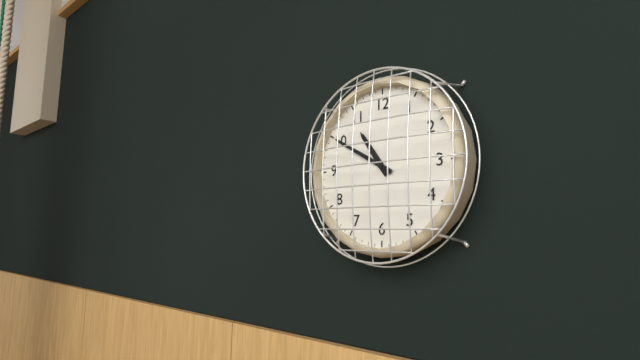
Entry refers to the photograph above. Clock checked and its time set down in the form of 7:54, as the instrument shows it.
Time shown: 10:50
